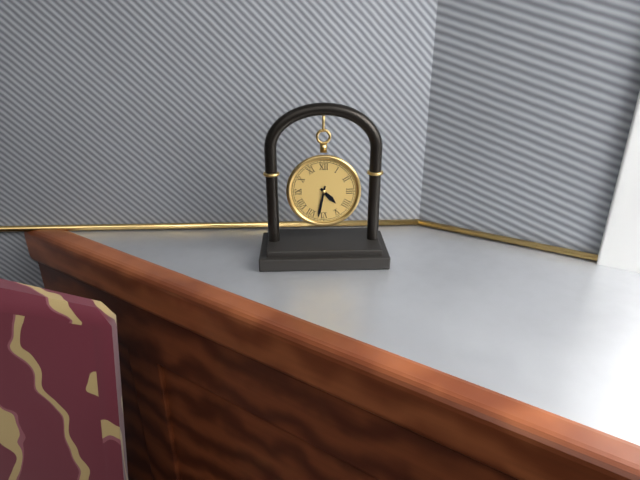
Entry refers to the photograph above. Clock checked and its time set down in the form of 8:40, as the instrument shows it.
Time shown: 4:32
